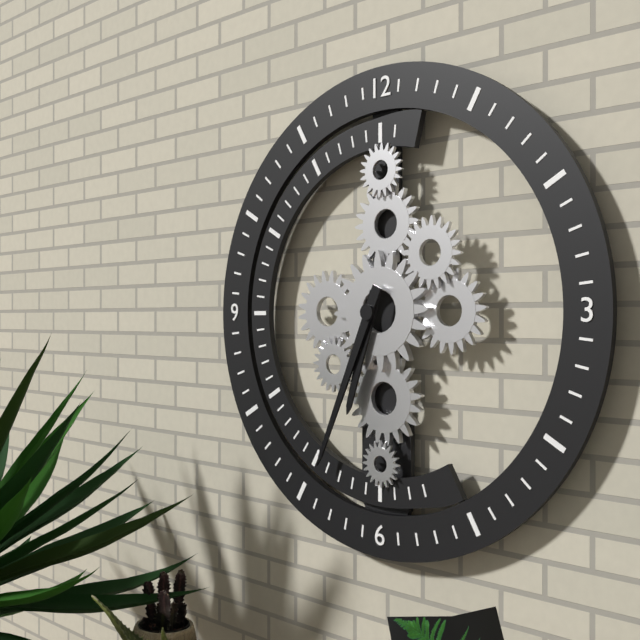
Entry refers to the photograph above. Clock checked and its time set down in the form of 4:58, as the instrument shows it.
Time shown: 6:34
